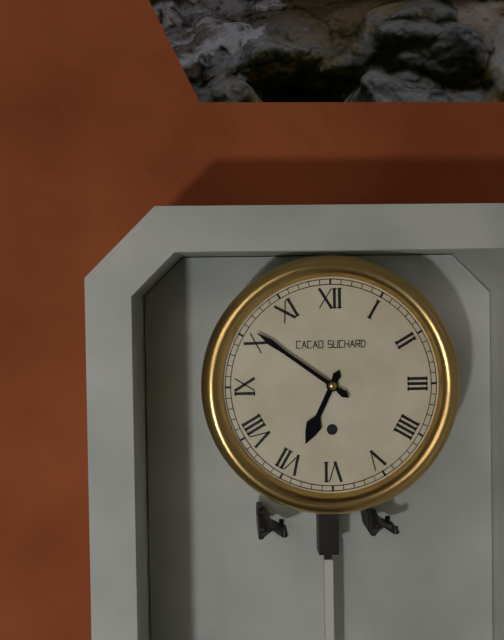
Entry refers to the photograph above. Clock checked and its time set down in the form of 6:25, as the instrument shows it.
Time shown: 6:51
